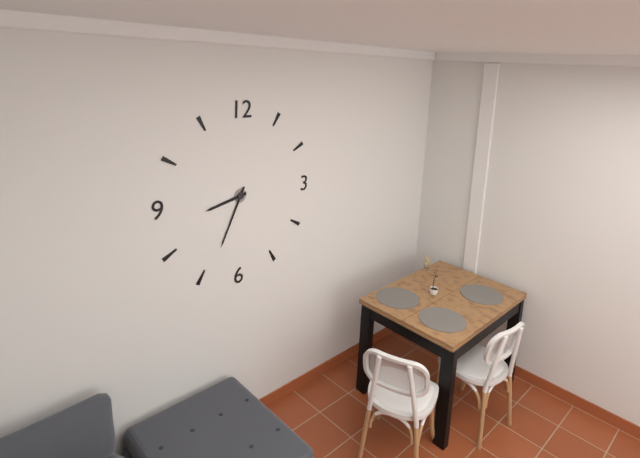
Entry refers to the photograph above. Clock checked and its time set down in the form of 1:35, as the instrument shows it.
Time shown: 8:34
